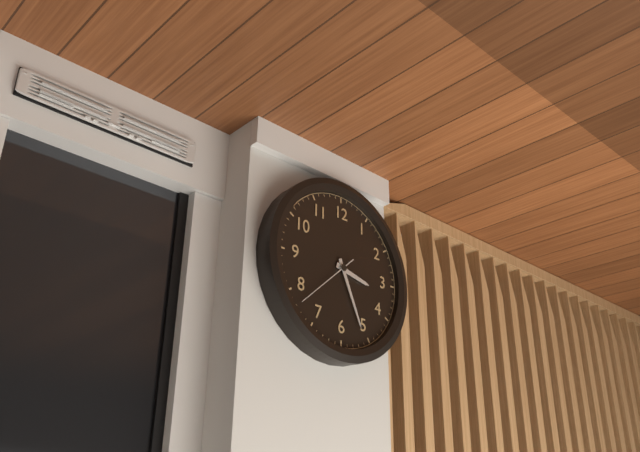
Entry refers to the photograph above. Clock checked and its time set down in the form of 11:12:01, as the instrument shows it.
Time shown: 3:26:38
